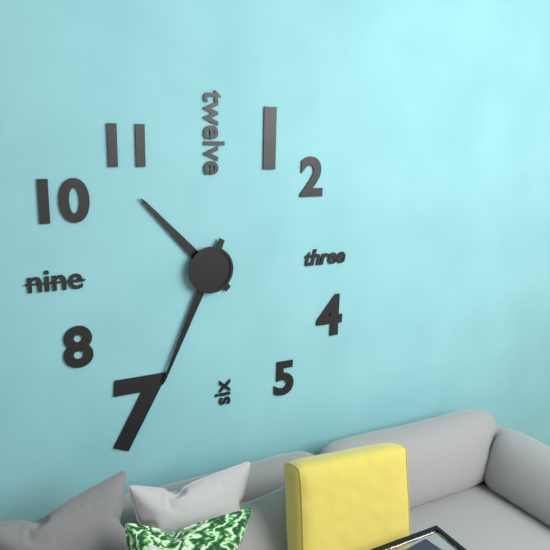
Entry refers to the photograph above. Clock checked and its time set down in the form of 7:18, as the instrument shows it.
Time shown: 10:34
